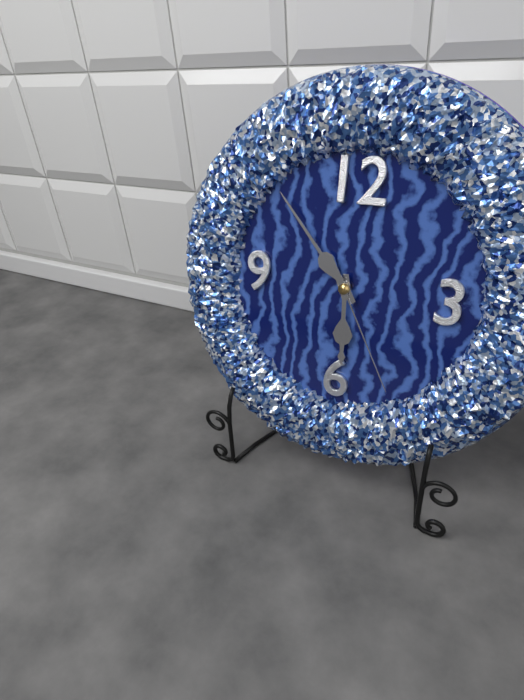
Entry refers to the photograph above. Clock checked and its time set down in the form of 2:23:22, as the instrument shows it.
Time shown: 5:53:25
